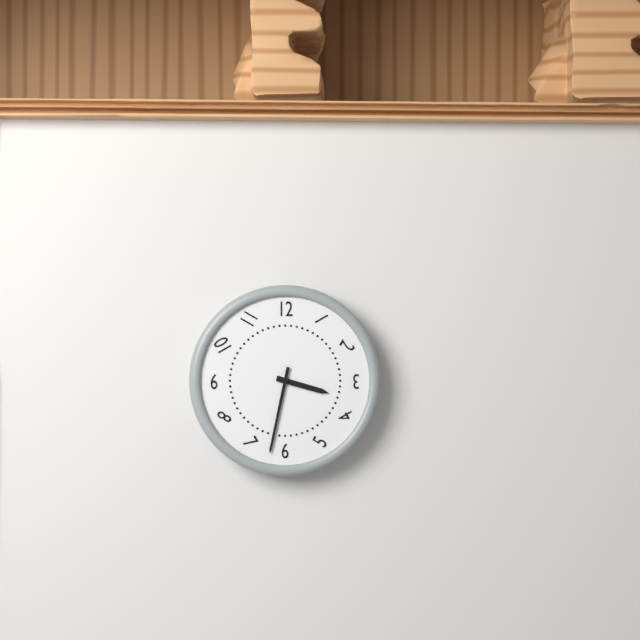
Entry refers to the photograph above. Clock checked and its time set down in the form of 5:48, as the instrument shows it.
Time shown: 3:32
